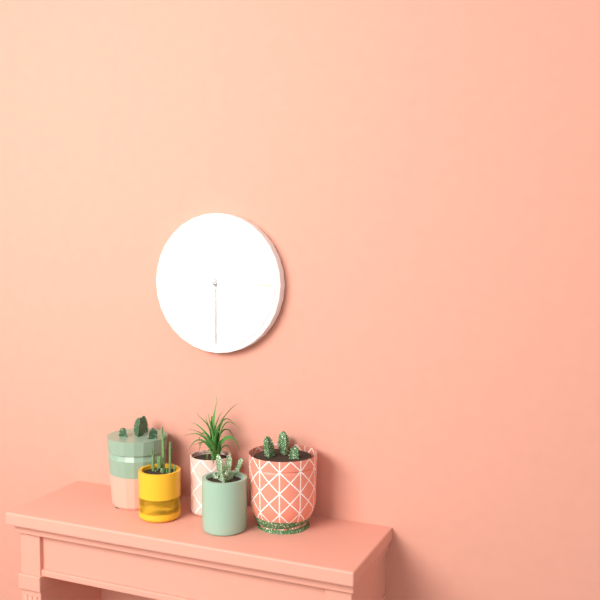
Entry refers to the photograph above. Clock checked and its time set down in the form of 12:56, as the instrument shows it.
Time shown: 3:30
